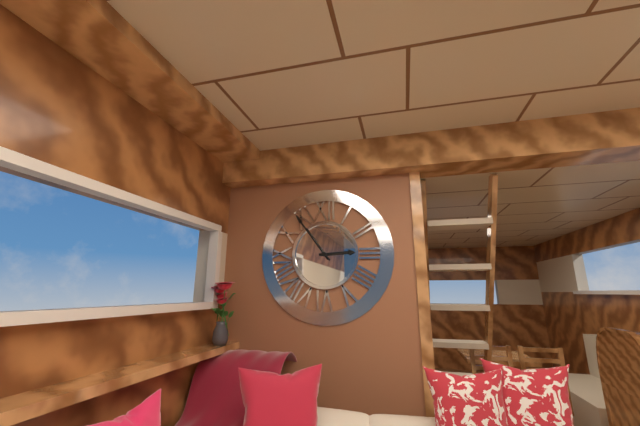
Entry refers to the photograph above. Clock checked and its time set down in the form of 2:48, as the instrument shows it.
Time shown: 2:54
